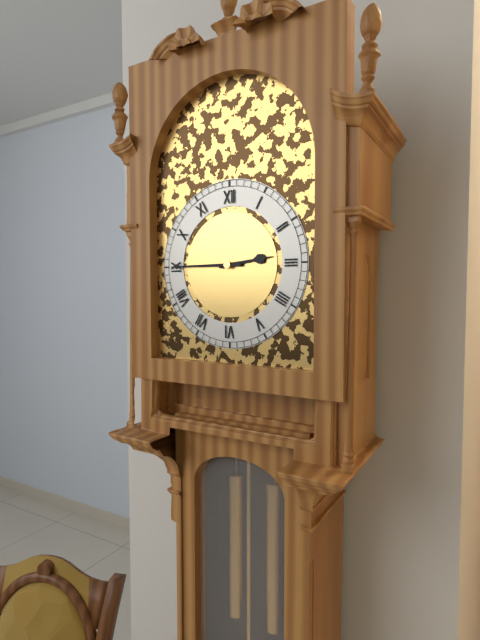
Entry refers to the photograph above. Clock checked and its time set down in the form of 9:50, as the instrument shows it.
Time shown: 2:45
